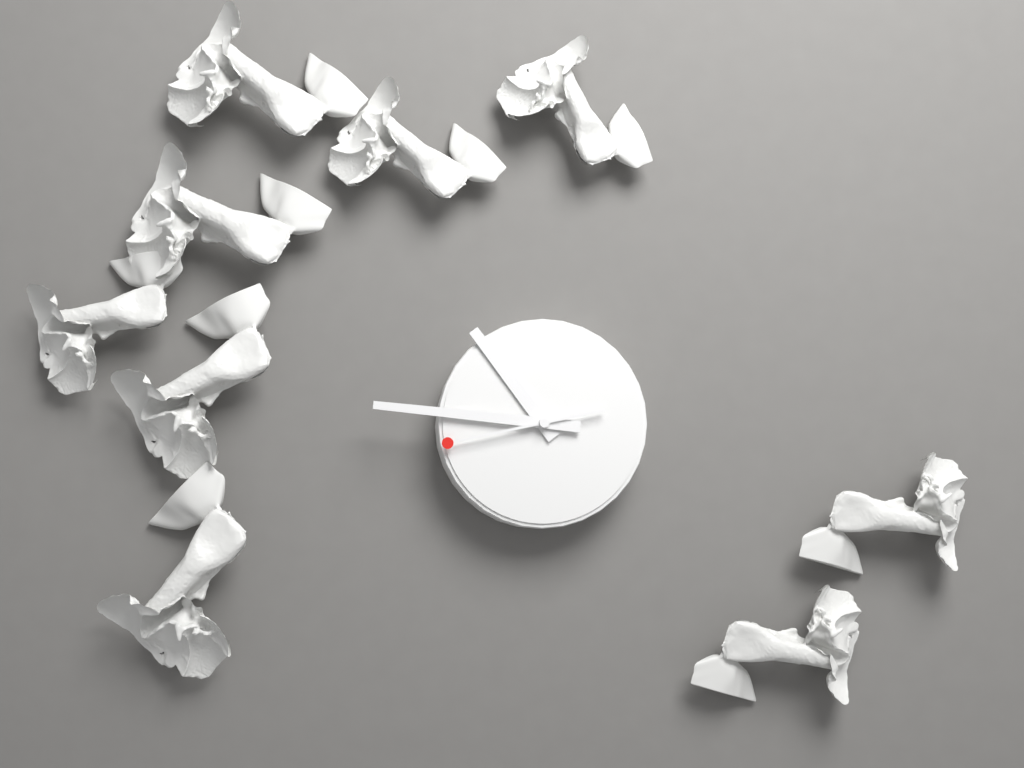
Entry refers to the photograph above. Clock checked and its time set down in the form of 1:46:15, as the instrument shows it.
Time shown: 10:46:43
